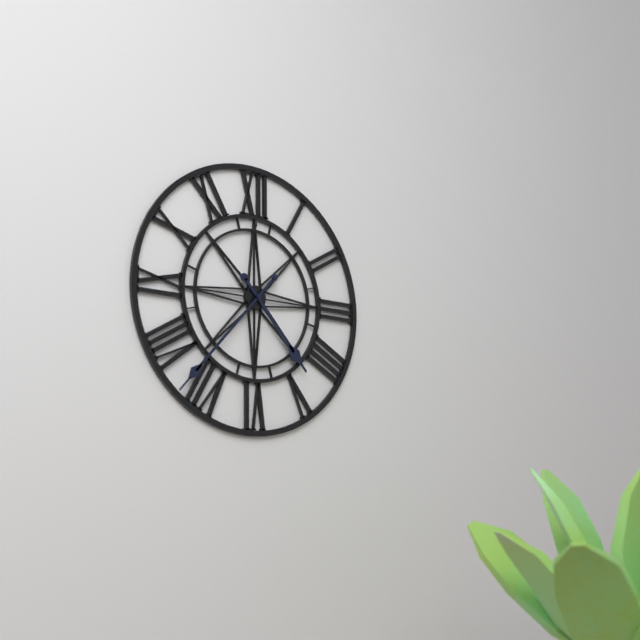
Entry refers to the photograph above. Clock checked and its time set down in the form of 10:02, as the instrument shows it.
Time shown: 4:37
